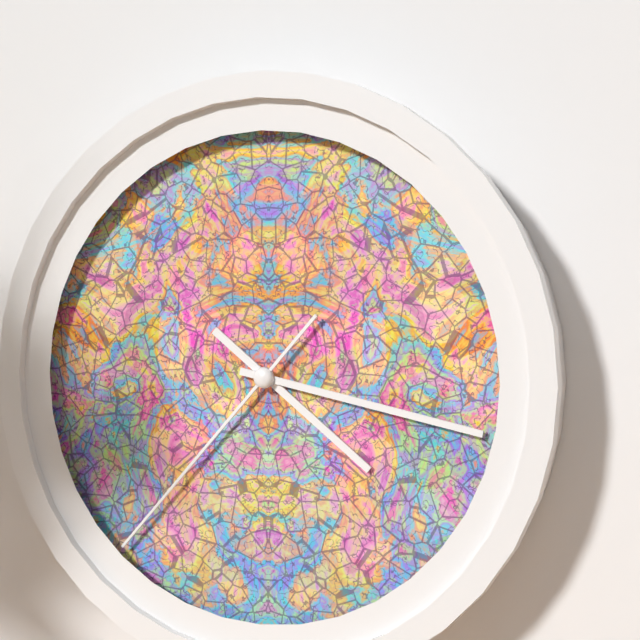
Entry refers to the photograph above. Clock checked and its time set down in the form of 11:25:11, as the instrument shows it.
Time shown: 4:17:37
